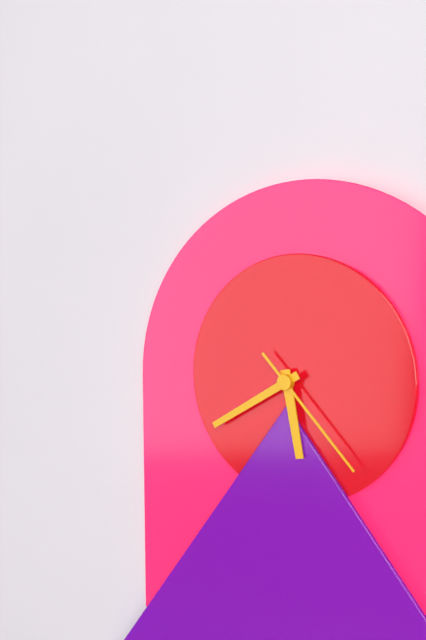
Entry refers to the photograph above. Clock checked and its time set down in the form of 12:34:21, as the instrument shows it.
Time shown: 5:40:23
